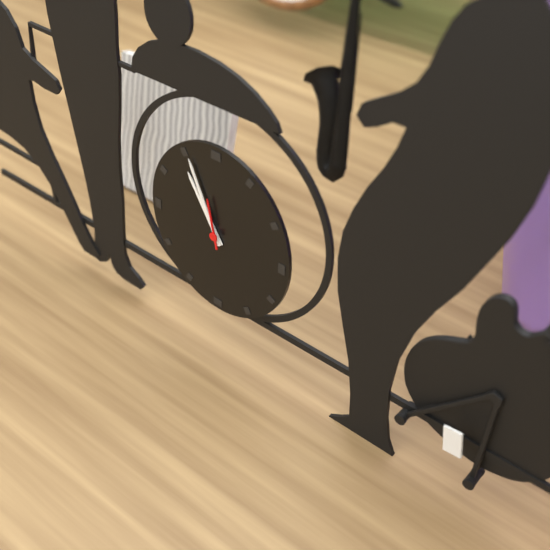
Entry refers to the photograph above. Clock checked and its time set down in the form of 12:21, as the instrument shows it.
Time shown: 10:56
